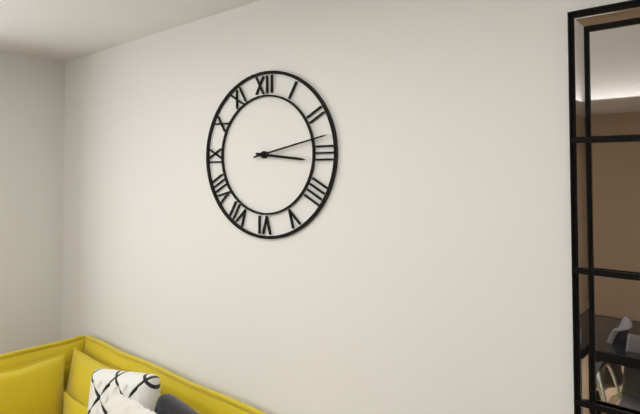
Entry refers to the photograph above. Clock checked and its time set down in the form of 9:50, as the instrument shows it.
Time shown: 3:13
